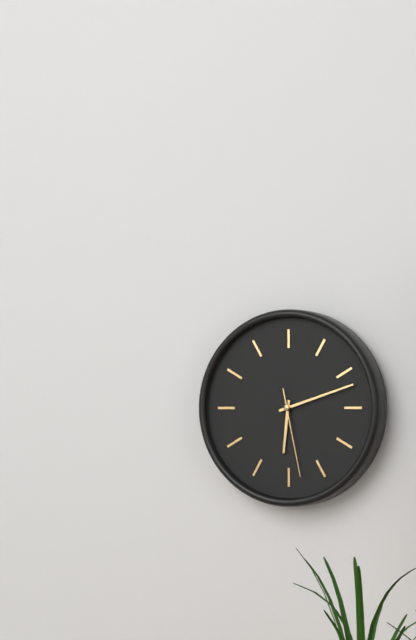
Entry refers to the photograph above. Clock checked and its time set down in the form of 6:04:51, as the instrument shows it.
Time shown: 6:12:28
